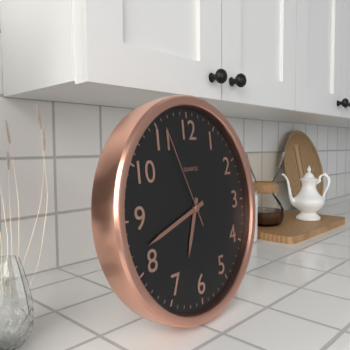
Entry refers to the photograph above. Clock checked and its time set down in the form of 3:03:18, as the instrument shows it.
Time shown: 6:42:56
